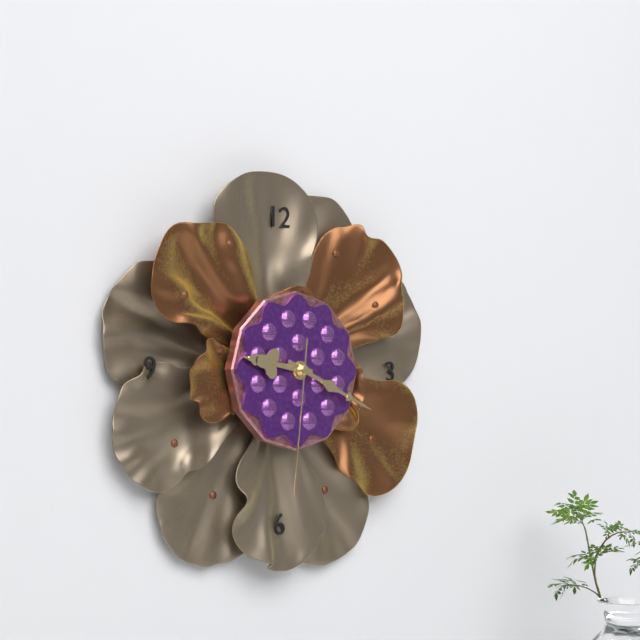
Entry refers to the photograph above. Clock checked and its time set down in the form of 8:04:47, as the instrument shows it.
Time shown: 9:19:31
